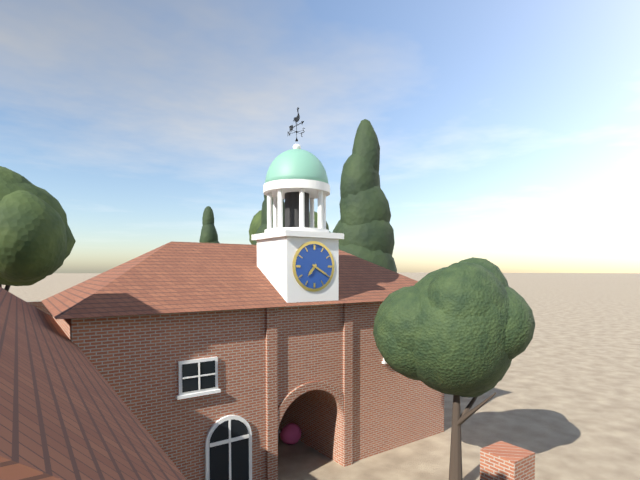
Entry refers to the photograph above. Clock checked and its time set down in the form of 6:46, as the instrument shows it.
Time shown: 7:20
